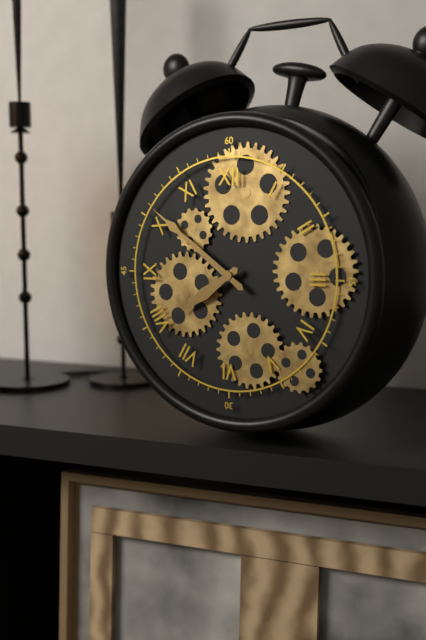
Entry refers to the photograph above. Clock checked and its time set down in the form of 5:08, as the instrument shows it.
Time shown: 7:51
